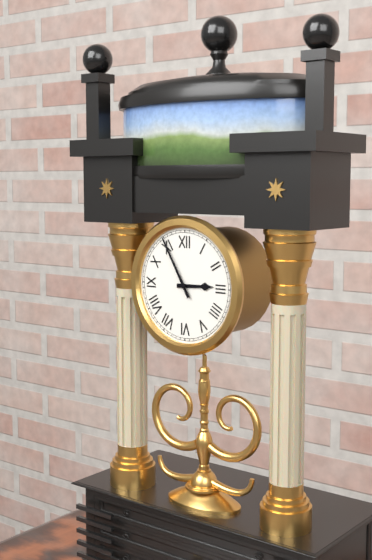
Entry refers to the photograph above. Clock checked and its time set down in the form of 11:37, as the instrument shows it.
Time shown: 2:55
